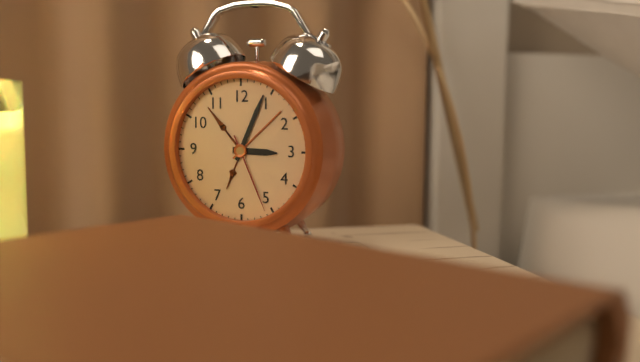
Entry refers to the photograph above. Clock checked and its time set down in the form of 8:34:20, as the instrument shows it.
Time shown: 3:04:26
